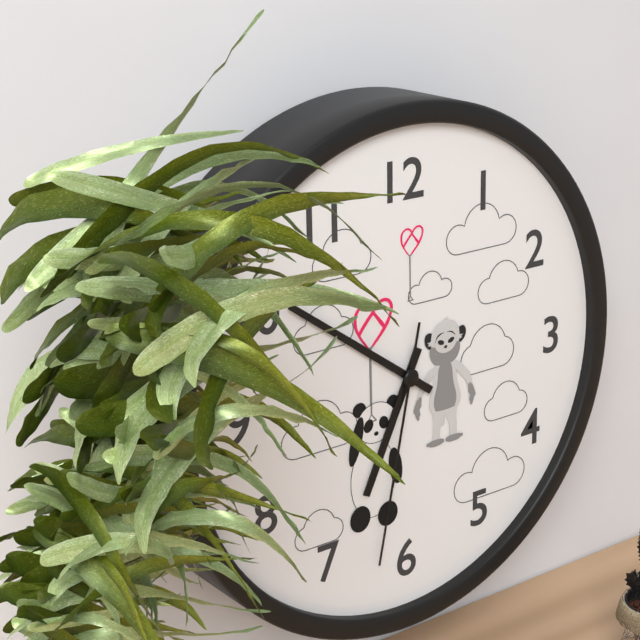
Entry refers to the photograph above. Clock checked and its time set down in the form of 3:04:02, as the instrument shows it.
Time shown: 6:51:32
